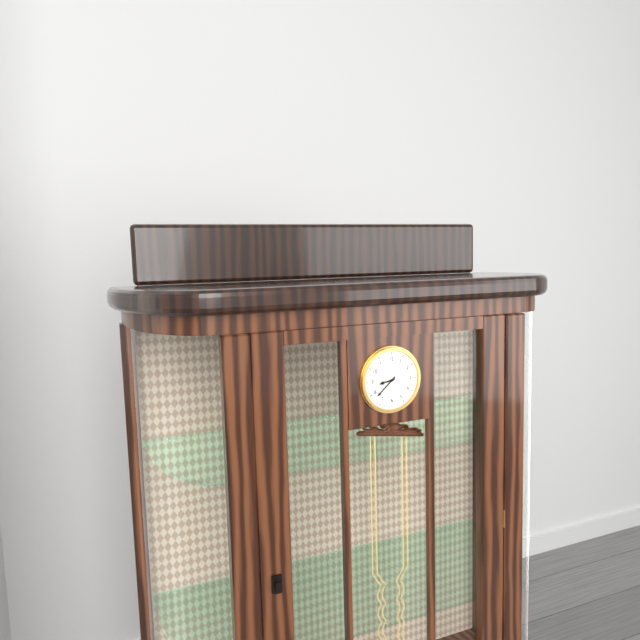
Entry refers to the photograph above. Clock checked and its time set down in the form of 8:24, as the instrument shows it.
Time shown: 8:38
